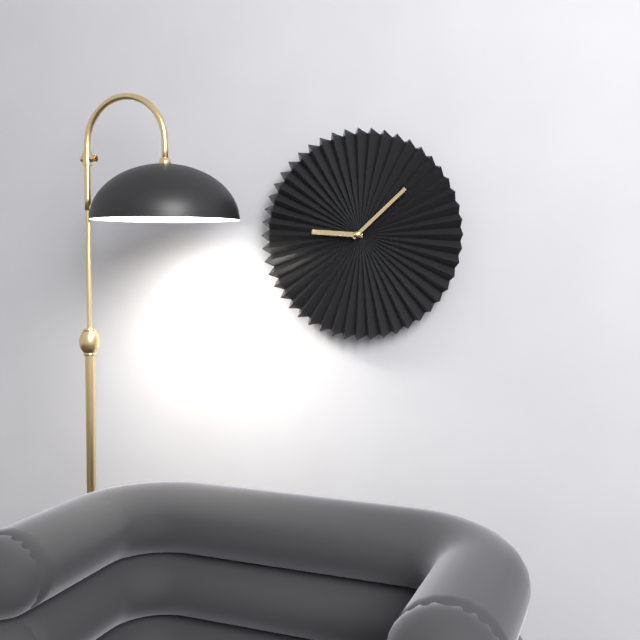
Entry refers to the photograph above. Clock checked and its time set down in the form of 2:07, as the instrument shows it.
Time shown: 9:08
